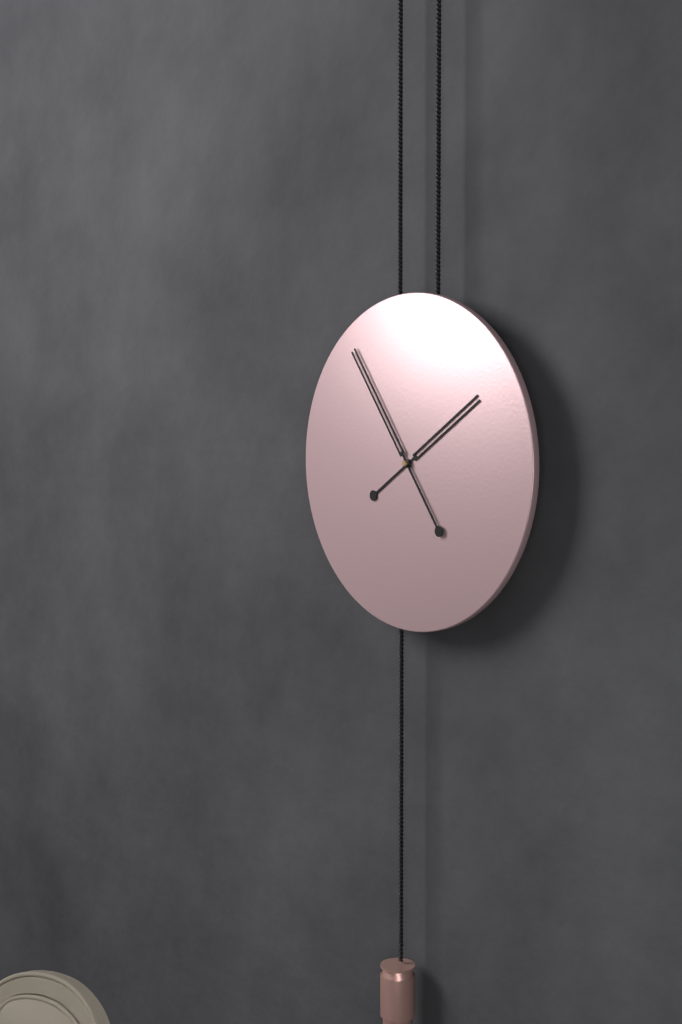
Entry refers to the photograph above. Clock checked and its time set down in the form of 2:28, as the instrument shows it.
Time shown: 1:54
